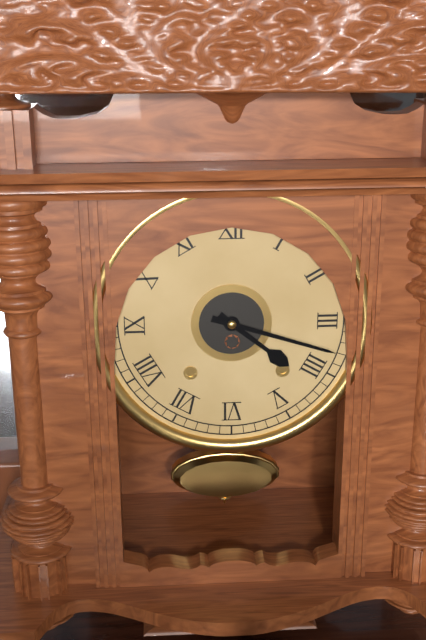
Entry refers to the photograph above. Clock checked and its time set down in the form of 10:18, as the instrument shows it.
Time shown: 4:18
